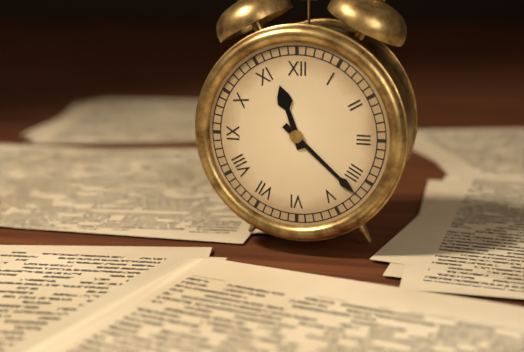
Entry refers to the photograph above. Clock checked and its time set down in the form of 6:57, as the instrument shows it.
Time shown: 11:22
